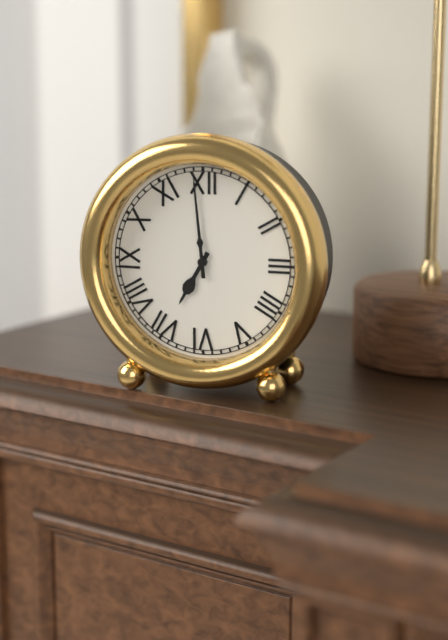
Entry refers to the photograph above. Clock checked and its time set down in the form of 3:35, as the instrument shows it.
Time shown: 6:59
